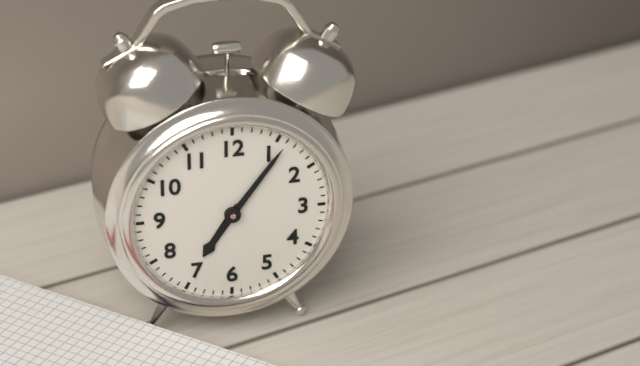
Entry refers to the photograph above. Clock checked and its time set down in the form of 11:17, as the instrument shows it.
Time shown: 7:06
